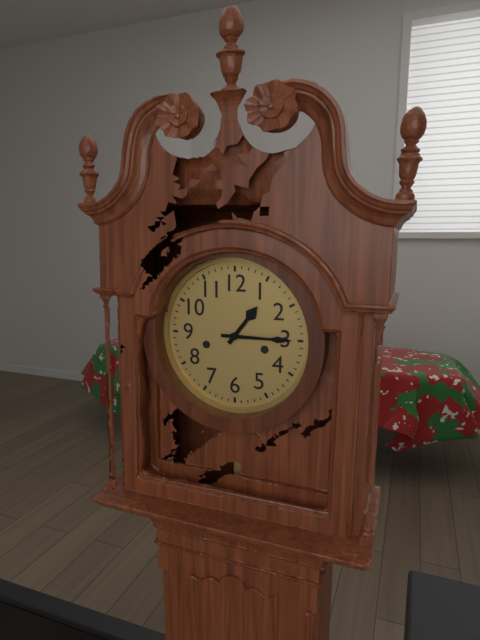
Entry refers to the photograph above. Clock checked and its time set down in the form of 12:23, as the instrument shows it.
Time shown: 1:15
